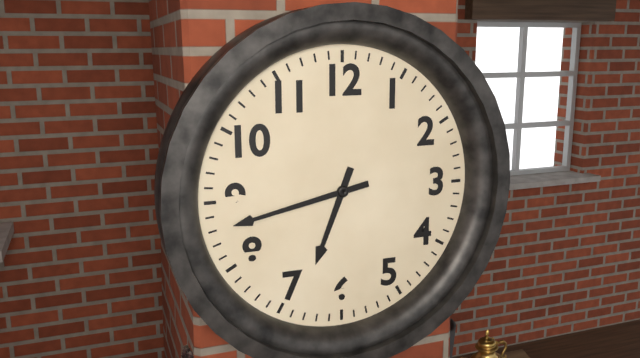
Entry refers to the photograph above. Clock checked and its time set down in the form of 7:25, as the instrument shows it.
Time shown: 6:43
